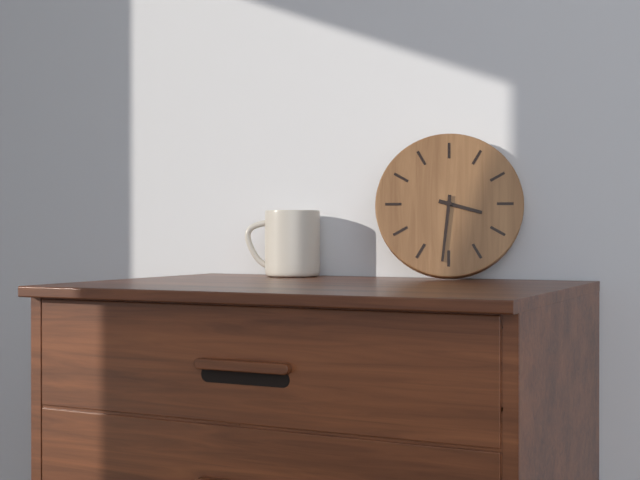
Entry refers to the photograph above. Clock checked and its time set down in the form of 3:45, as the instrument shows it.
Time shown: 3:31
